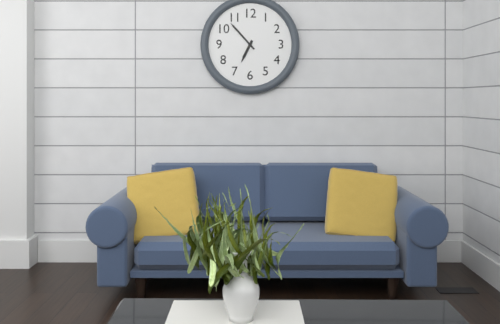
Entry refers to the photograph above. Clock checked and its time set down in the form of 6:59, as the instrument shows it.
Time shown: 6:53
